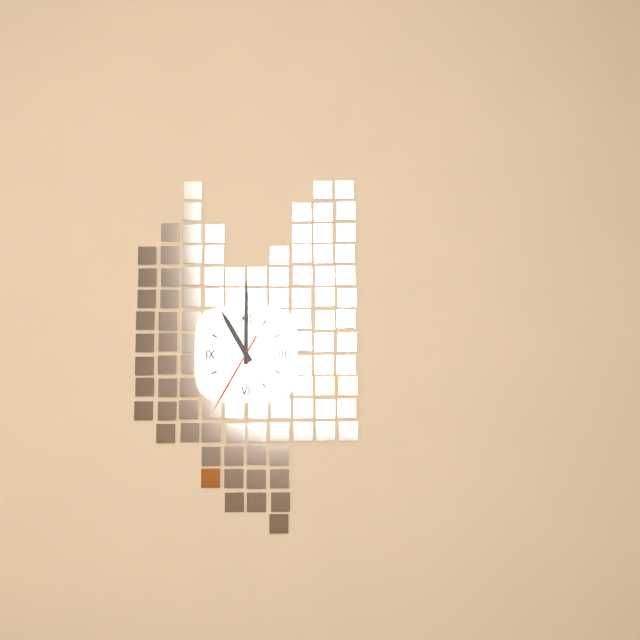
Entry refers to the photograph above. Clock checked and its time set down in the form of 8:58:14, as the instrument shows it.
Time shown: 11:00:35
